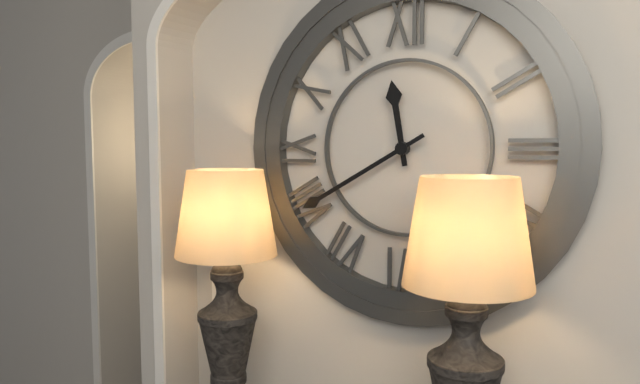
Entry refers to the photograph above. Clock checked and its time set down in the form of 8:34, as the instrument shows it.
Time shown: 11:40
